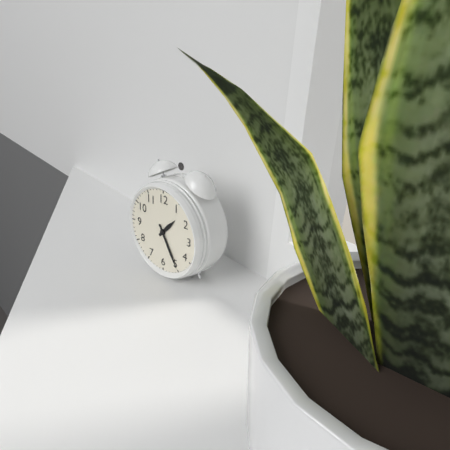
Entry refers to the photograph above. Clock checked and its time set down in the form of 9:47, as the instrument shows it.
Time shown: 1:25
